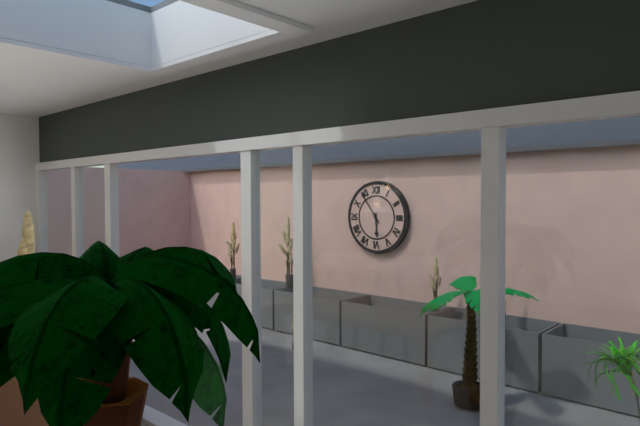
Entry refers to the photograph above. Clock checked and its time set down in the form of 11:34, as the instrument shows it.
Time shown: 5:54
